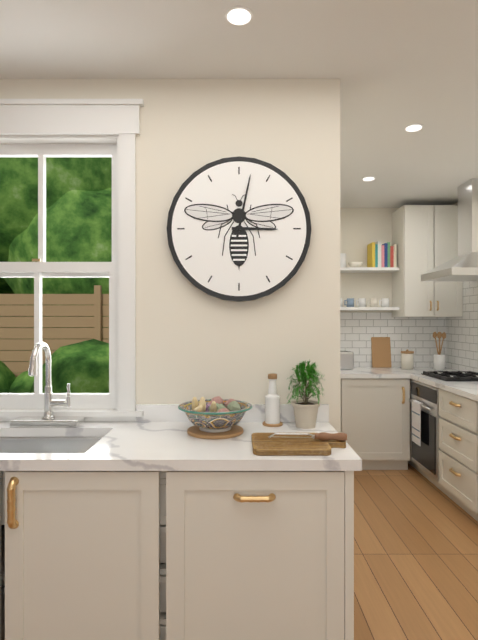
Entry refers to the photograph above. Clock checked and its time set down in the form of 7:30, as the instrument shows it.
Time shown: 3:02
